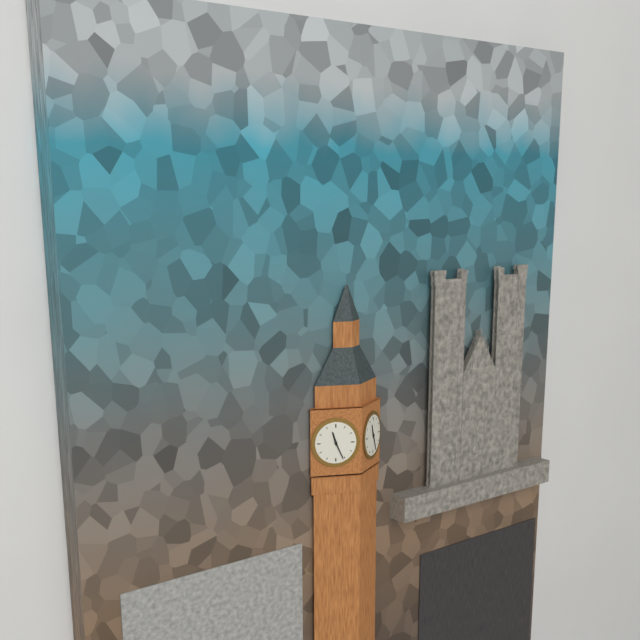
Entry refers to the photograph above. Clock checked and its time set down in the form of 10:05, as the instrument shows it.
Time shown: 11:26
